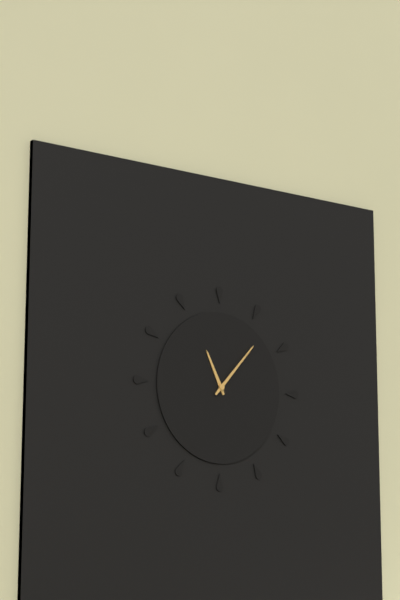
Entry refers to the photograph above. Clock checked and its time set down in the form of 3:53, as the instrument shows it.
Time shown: 11:07
